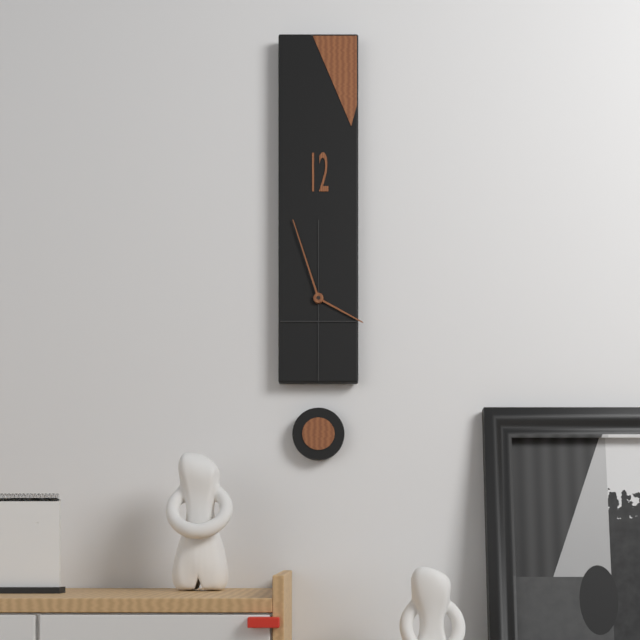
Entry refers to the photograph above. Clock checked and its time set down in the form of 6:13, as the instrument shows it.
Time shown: 3:57
